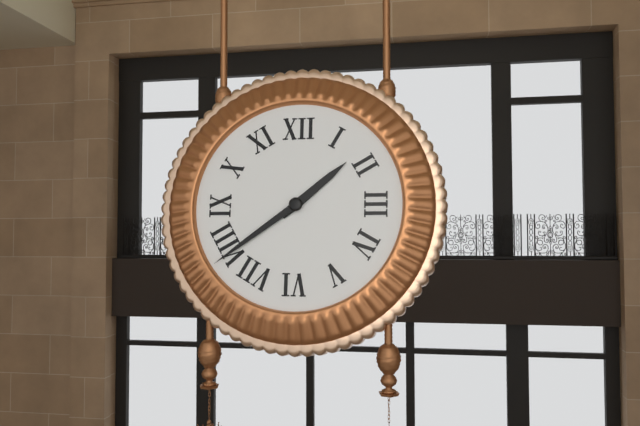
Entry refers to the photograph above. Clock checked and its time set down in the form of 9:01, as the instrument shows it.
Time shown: 1:39
